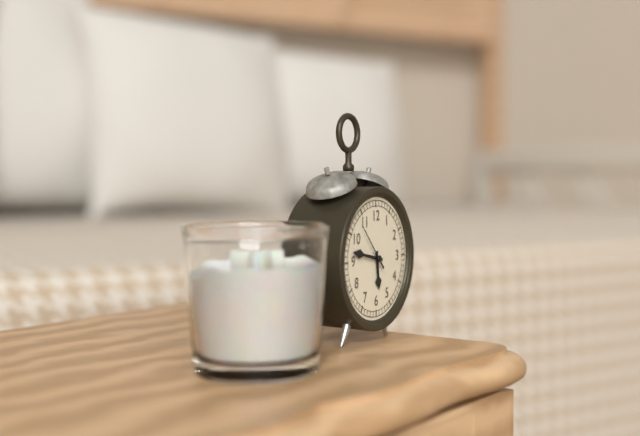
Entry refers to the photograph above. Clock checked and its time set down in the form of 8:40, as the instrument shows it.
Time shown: 5:47
